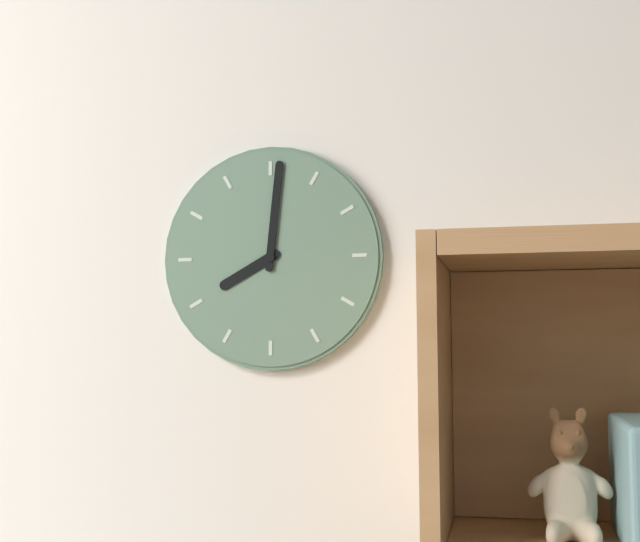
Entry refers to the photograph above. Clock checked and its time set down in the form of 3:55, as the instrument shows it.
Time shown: 8:01
